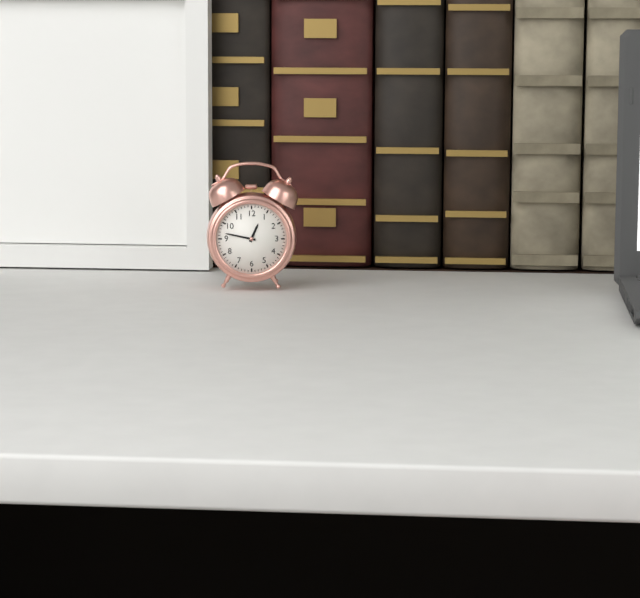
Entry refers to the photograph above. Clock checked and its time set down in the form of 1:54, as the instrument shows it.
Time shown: 12:47
